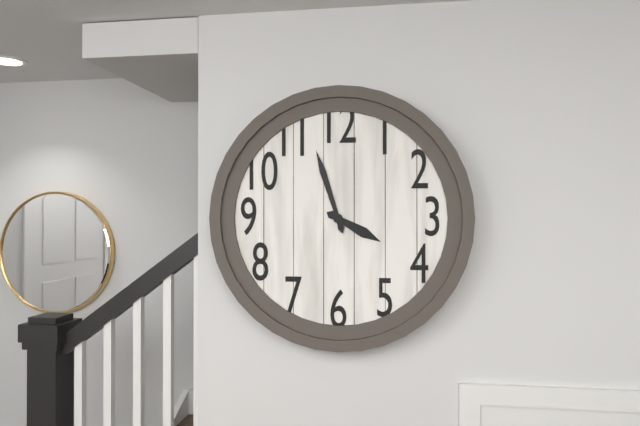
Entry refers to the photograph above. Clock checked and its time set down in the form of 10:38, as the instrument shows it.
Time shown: 3:57
